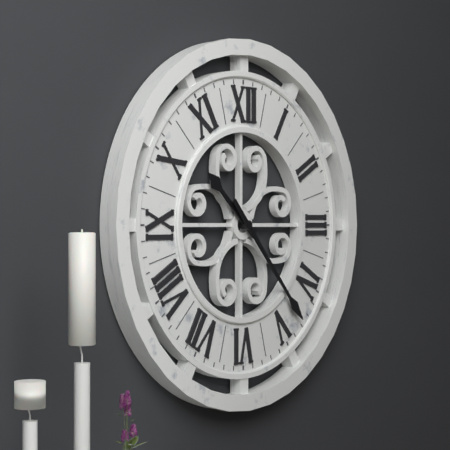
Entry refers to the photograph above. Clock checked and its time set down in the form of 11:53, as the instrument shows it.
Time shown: 10:23
